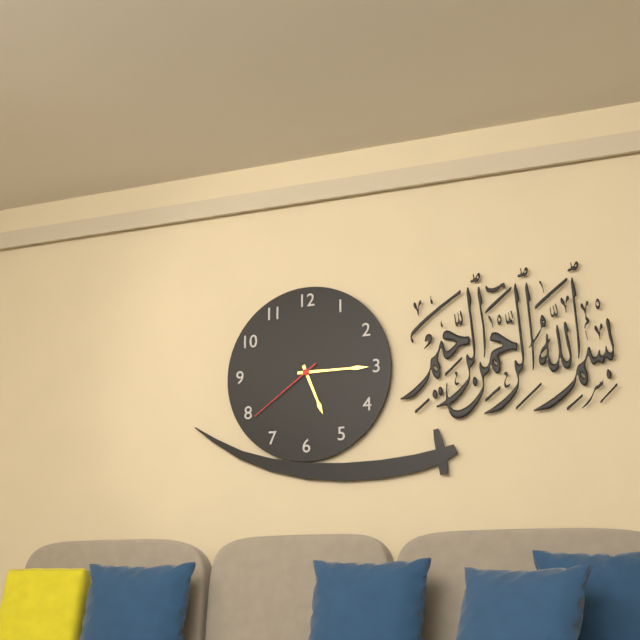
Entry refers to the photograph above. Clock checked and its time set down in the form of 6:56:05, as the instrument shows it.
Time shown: 5:15:39
